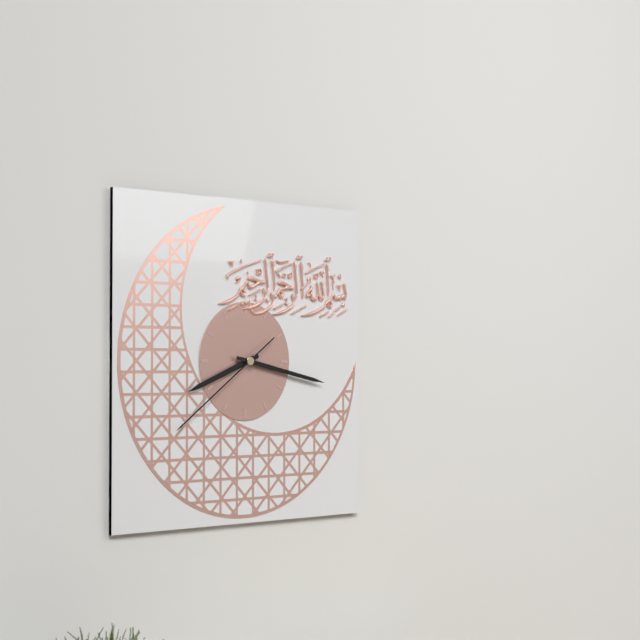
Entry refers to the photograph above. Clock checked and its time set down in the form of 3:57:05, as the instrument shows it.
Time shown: 8:17:39
